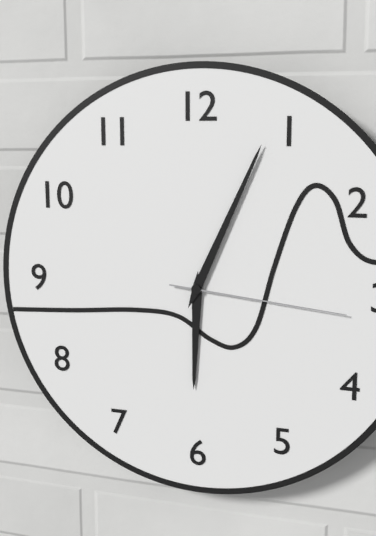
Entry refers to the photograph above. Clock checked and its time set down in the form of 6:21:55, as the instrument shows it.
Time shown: 6:04:16
